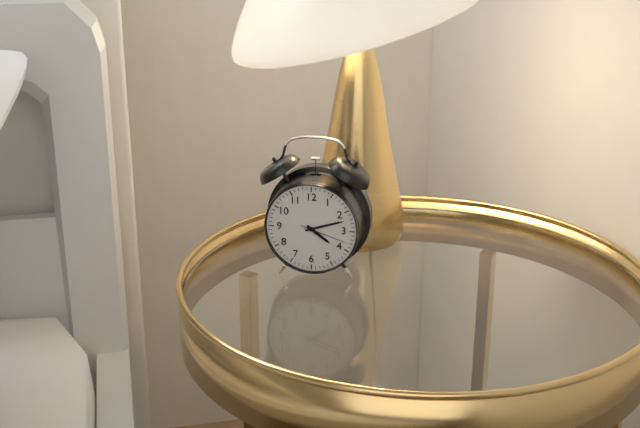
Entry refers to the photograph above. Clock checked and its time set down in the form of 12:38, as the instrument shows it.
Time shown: 4:12
